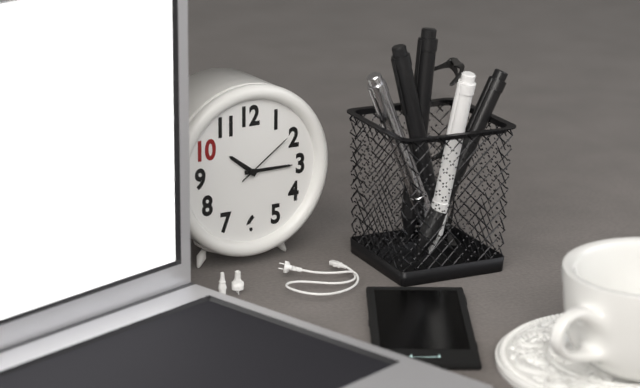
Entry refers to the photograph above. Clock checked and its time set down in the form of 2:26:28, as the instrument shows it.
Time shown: 10:15:09
